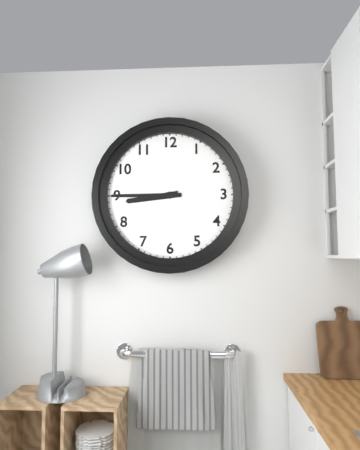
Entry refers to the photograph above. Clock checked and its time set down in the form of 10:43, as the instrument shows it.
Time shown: 8:45
